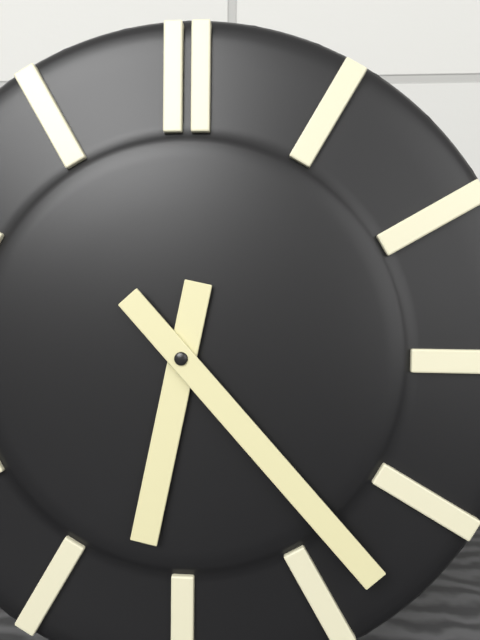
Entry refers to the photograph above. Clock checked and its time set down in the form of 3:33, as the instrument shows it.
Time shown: 6:23
